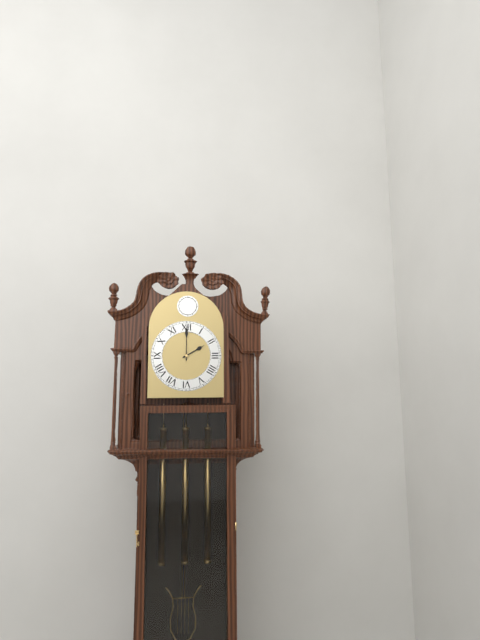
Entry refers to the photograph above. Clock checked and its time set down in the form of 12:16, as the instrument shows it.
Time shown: 2:00
